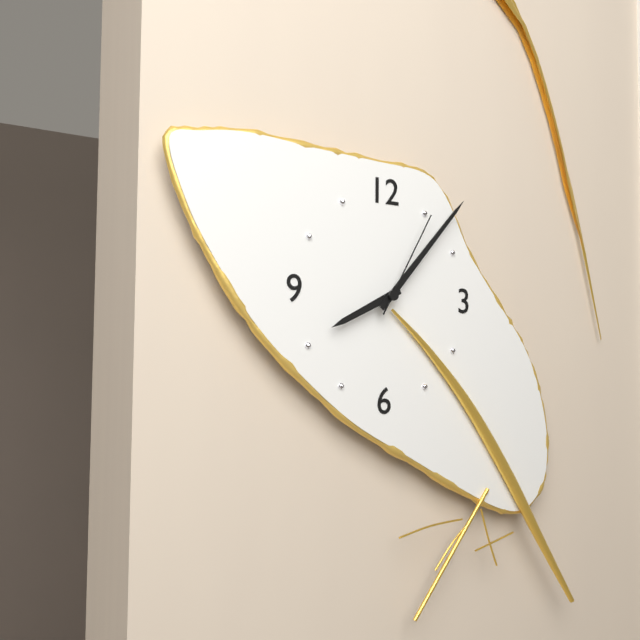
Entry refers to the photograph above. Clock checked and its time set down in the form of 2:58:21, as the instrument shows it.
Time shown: 8:07:05
